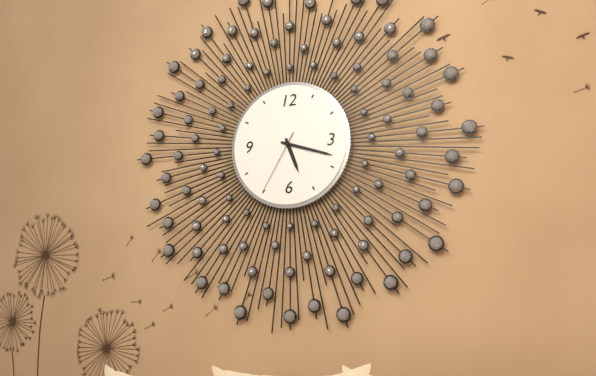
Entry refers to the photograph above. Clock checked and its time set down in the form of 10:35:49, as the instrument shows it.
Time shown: 5:18:35
